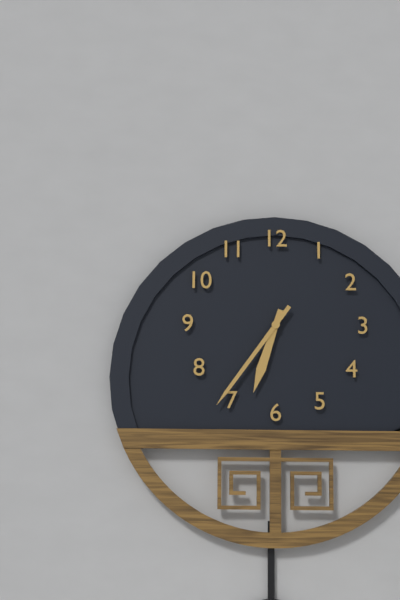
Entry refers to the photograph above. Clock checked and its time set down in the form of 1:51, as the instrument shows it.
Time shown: 6:36
